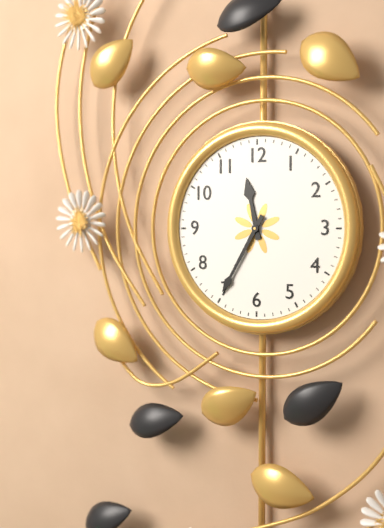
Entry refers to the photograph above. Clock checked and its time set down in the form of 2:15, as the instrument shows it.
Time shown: 11:35
